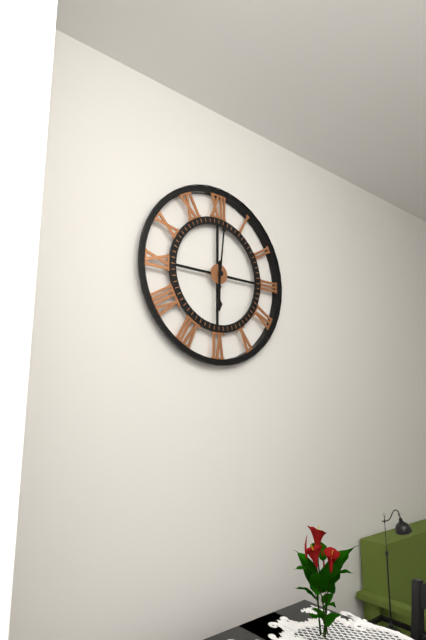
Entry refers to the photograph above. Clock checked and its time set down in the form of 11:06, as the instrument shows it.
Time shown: 6:01
